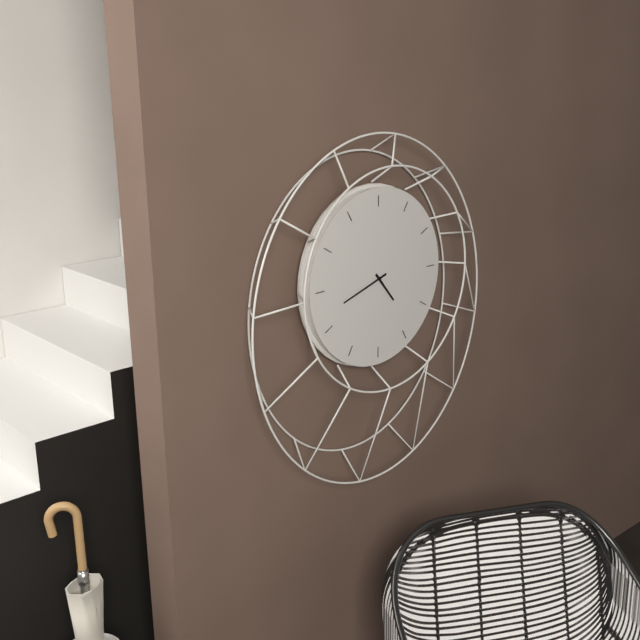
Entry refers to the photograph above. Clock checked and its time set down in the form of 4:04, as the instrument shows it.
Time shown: 4:42
